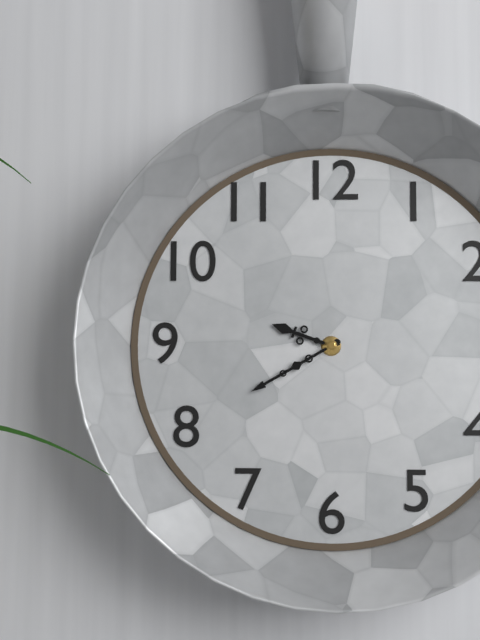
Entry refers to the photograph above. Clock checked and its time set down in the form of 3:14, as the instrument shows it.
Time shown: 9:40
